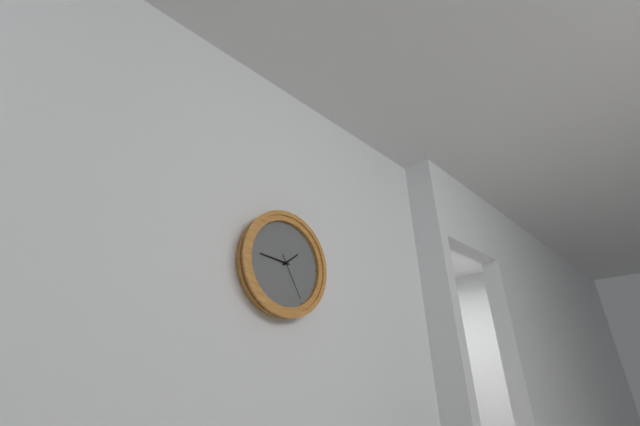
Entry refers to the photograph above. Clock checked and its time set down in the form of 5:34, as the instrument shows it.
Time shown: 1:46
